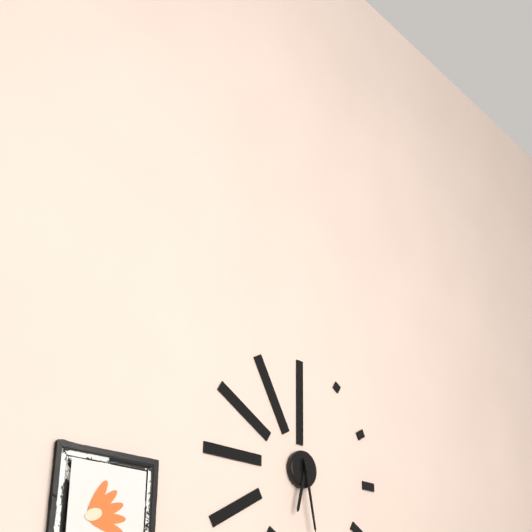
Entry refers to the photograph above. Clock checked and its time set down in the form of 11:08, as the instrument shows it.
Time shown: 6:28
